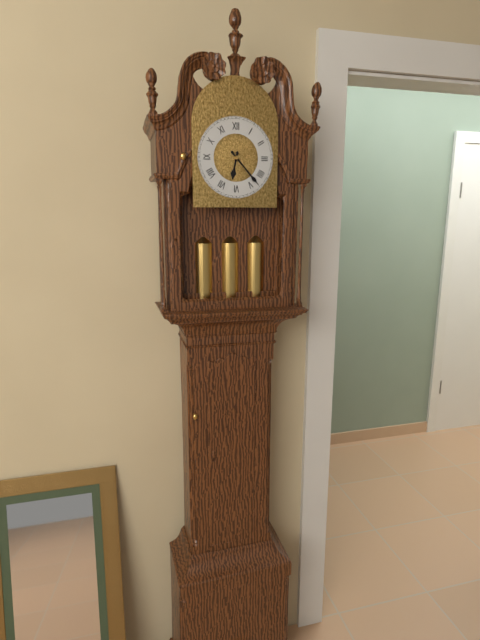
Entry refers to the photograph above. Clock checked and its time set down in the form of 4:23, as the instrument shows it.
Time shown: 6:23
